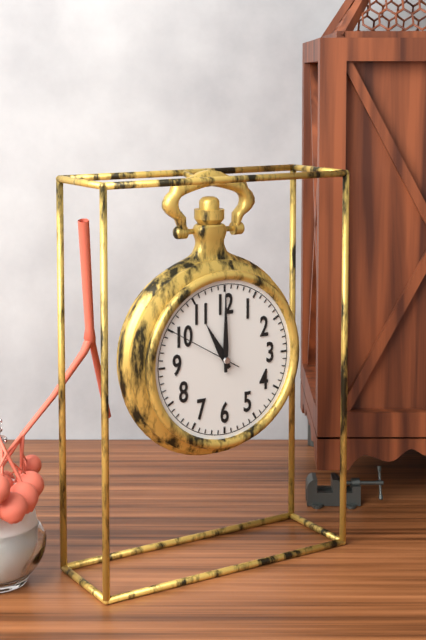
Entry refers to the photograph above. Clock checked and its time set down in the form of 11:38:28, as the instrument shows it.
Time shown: 11:00:50
